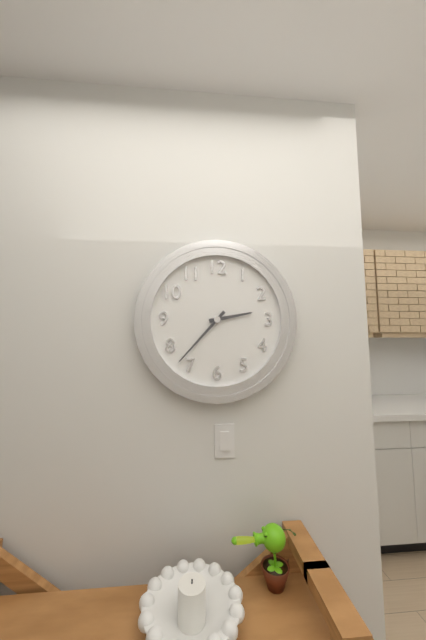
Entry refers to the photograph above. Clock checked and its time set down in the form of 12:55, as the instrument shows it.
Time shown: 2:37
